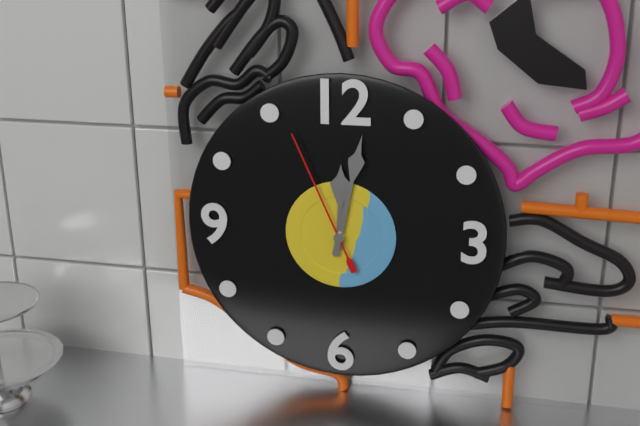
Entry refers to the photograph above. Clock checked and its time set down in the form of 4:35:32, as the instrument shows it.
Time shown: 12:02:56
